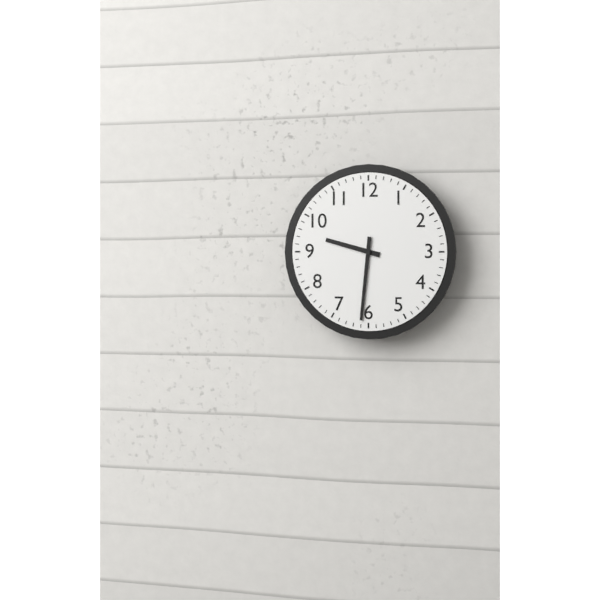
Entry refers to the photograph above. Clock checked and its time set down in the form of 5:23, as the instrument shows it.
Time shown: 9:31
